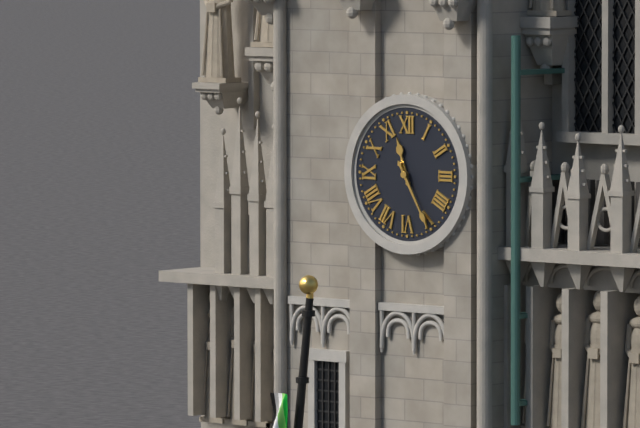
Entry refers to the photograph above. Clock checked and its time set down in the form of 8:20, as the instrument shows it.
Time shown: 11:25
